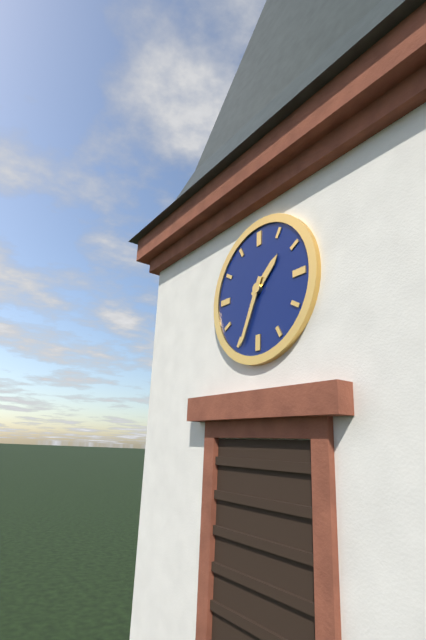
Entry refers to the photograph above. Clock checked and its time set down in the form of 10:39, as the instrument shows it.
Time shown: 1:34
